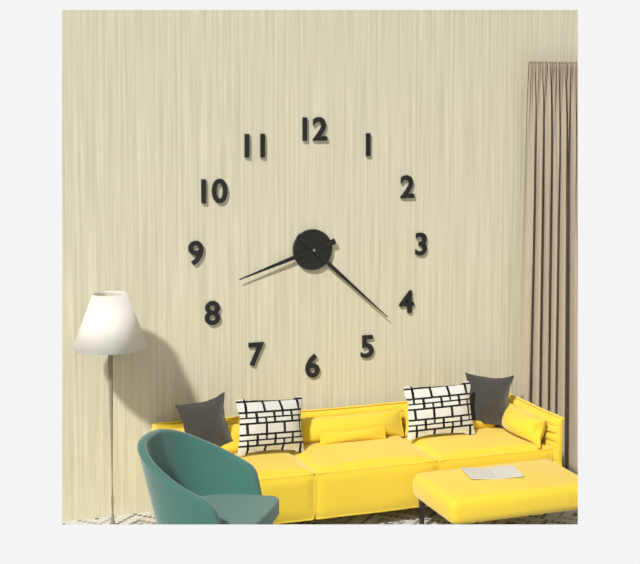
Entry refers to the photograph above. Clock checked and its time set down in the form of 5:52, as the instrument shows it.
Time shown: 8:22
